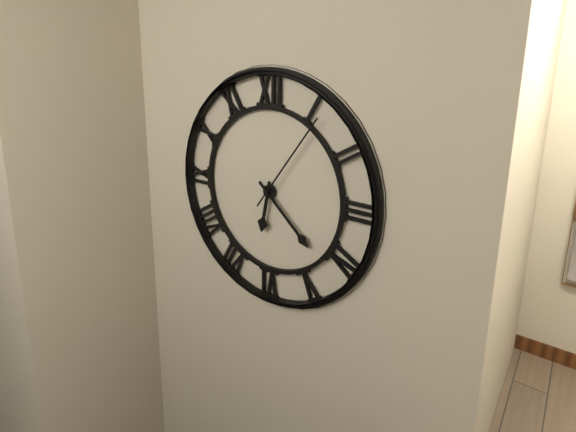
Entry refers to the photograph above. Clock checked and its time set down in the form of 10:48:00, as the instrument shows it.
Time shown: 6:22:06
